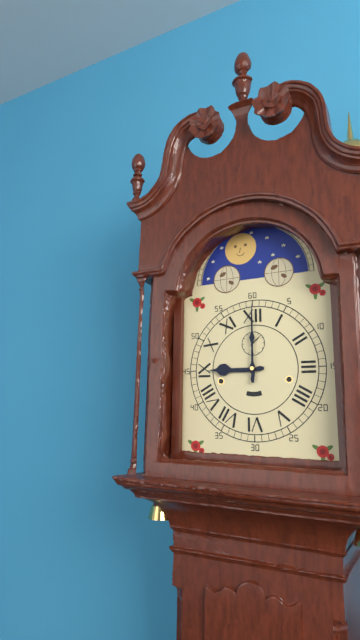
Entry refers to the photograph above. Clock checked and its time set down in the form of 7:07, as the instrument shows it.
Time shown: 9:00
